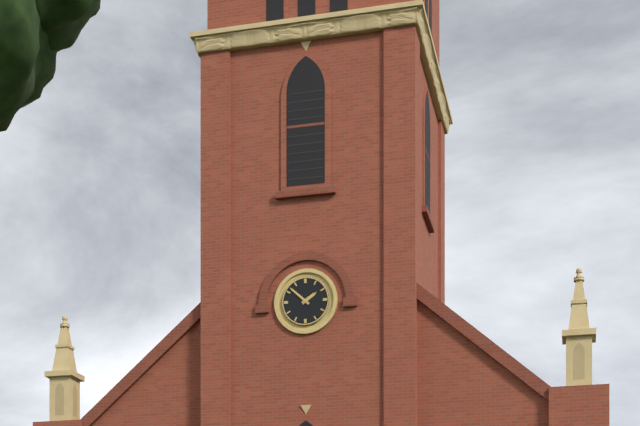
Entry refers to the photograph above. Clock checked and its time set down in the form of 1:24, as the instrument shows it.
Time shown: 1:52
